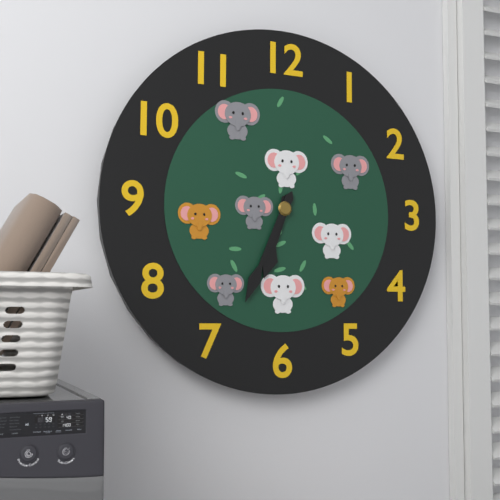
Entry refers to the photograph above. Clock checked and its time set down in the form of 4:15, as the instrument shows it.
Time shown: 6:34
